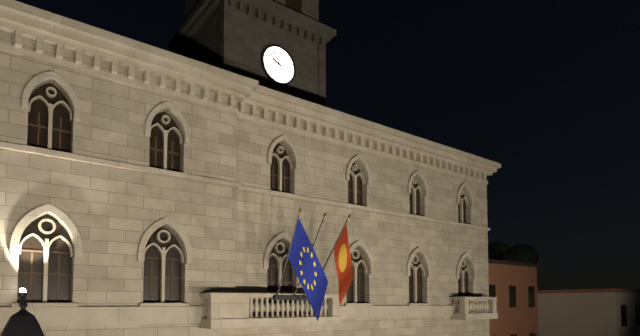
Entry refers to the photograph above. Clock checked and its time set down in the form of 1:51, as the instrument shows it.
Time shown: 9:55
